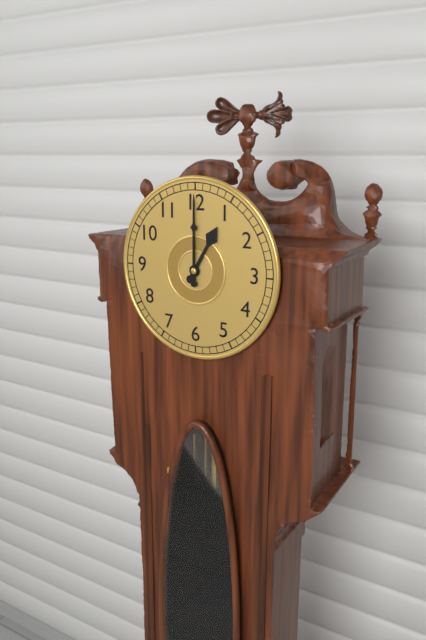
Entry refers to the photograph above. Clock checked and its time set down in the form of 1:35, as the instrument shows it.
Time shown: 1:00
